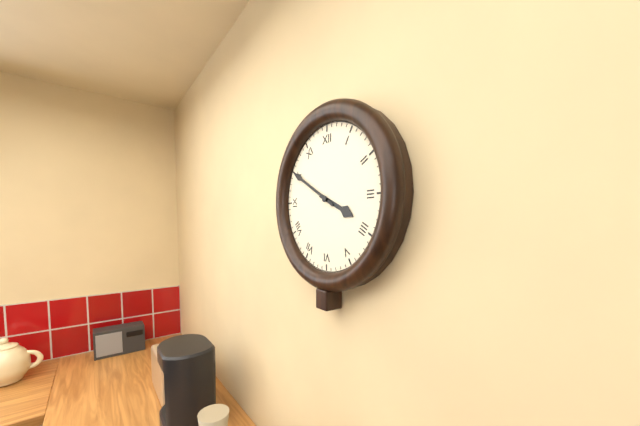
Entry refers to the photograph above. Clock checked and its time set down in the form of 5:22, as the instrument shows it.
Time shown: 3:50
